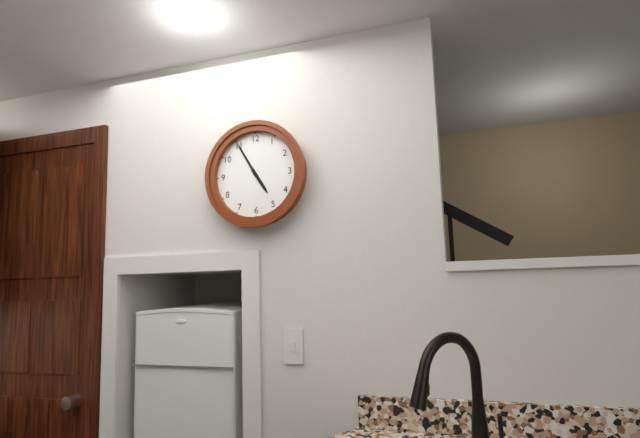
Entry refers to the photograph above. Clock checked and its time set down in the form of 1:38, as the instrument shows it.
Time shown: 4:55
